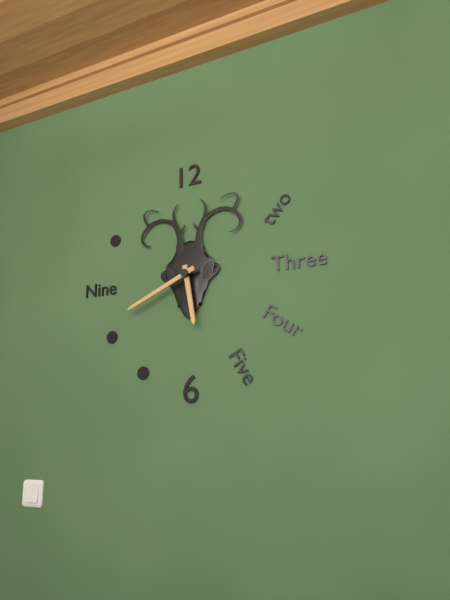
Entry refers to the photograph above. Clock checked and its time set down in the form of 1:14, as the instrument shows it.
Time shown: 5:41
